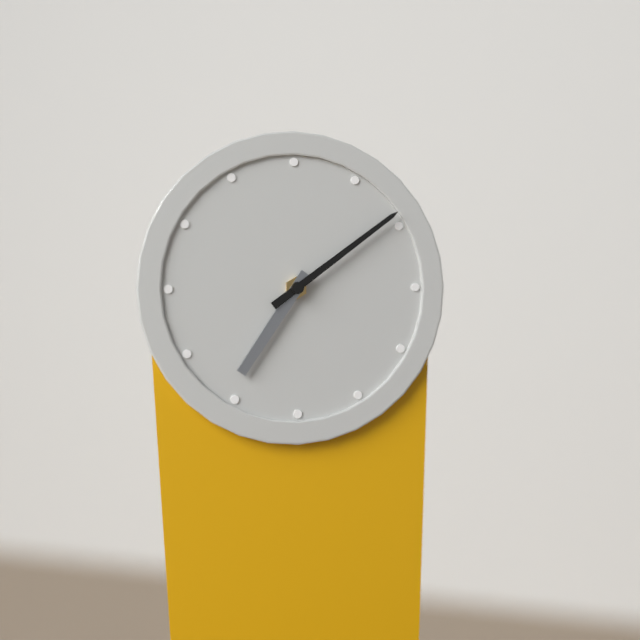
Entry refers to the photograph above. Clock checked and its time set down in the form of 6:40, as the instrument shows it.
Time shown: 7:09
